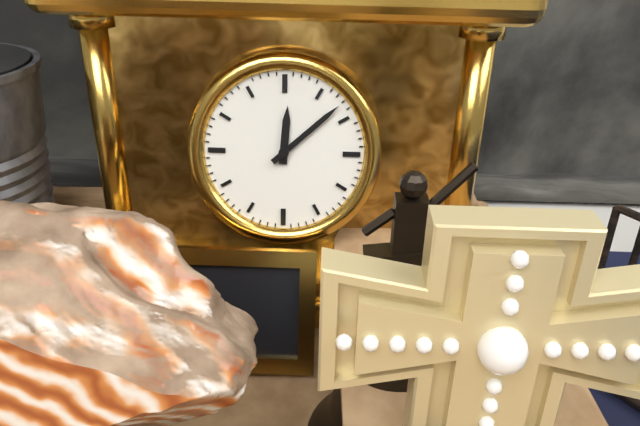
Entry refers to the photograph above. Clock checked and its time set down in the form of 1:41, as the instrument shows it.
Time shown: 12:08
